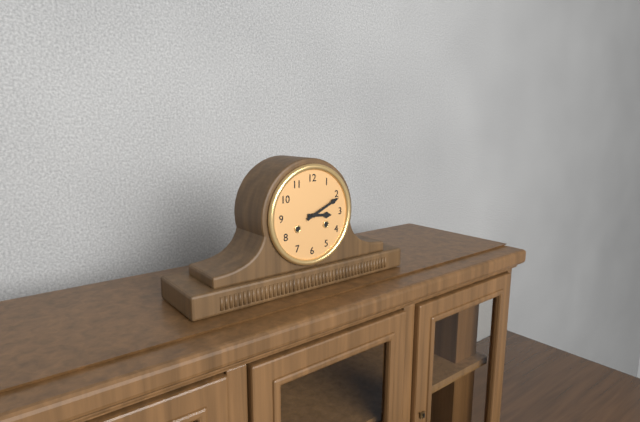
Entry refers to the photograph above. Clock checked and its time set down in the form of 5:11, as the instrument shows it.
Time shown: 3:11
